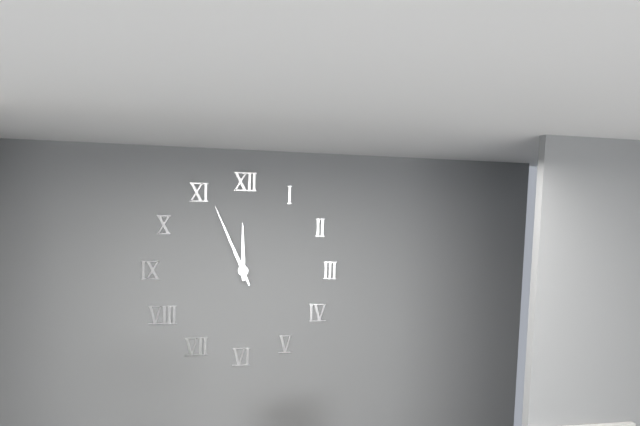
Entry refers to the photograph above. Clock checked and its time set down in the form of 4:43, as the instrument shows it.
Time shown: 11:56
